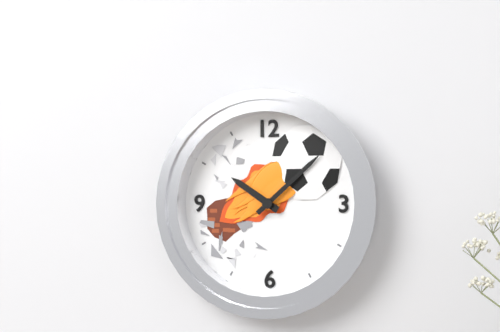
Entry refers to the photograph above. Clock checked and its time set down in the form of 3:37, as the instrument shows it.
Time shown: 10:08
